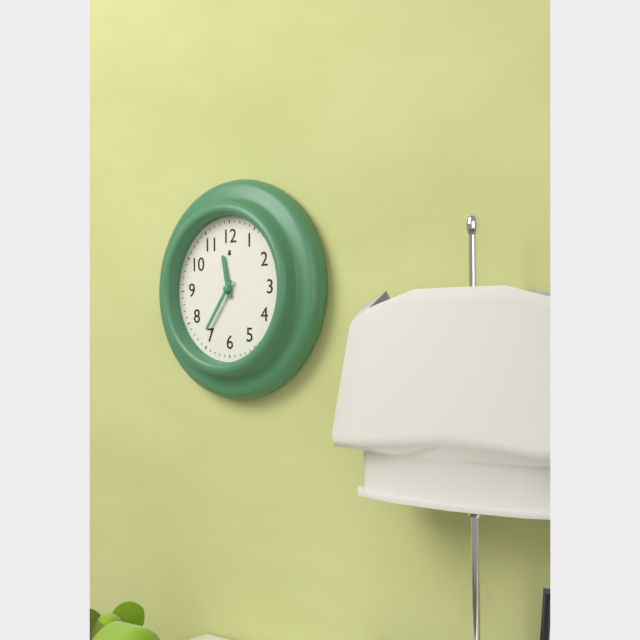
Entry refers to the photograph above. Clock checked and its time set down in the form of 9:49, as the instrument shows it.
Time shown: 11:36
